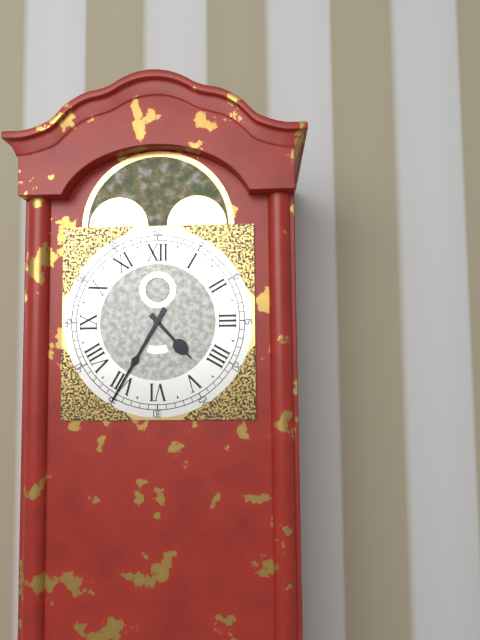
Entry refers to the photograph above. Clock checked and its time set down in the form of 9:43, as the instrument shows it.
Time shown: 4:35
